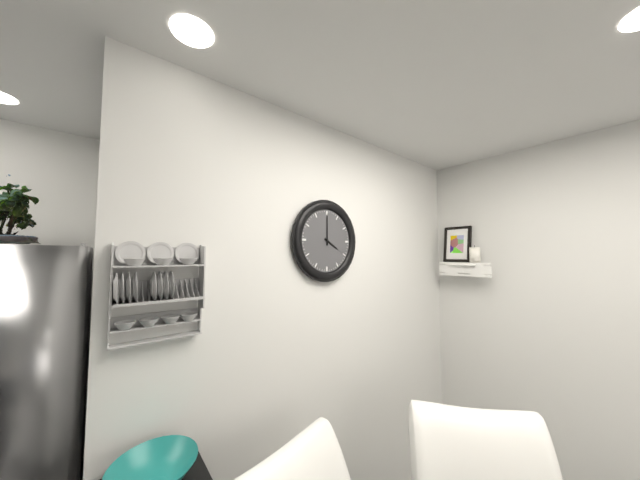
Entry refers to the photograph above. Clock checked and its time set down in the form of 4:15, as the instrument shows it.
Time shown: 4:00
